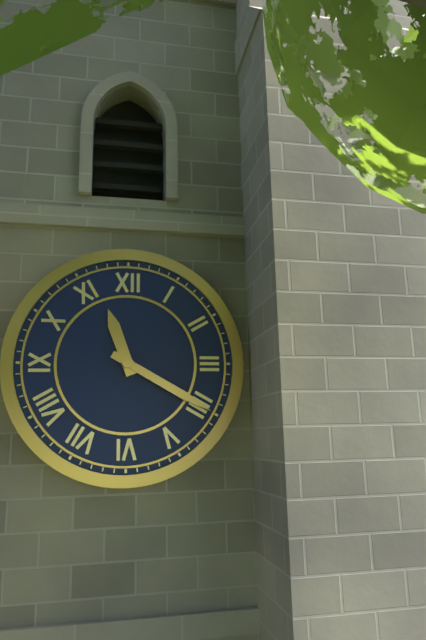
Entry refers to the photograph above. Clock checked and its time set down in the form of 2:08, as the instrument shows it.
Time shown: 11:20
